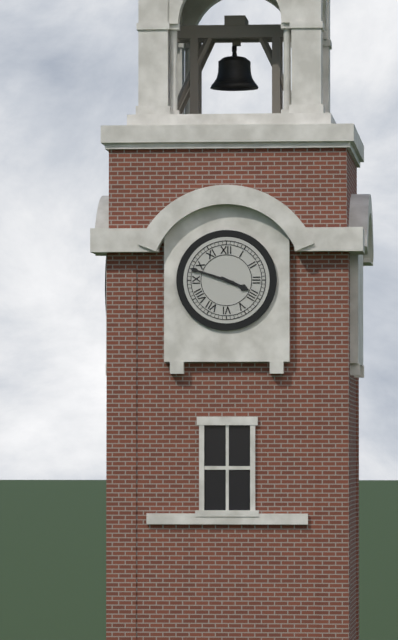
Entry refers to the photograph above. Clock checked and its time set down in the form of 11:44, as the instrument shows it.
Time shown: 3:48
